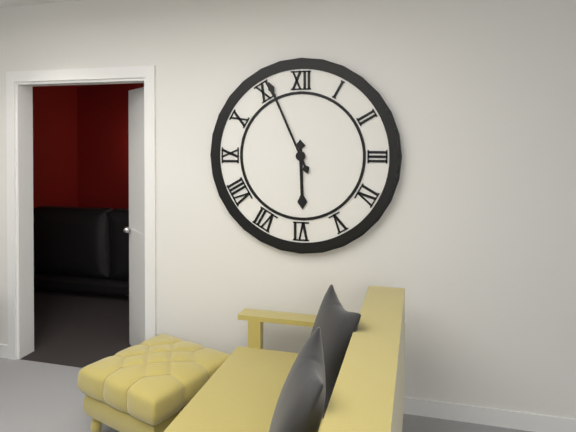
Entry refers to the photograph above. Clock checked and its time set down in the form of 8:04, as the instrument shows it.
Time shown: 5:56
